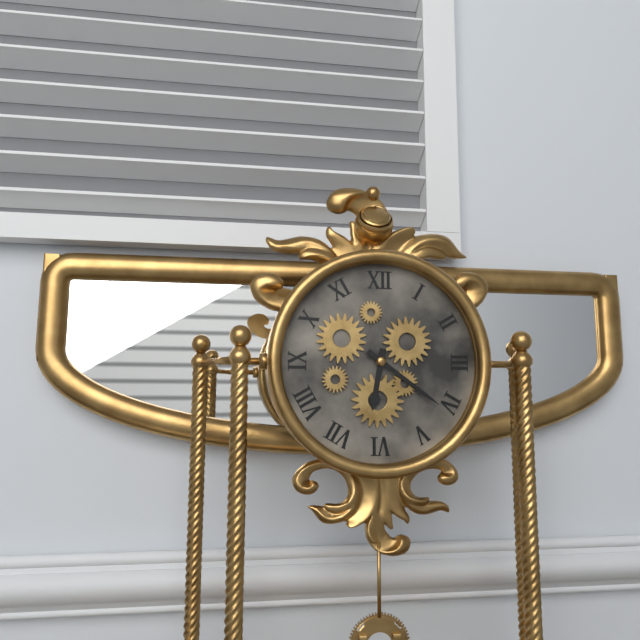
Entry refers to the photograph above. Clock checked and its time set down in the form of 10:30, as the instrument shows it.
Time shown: 6:21
